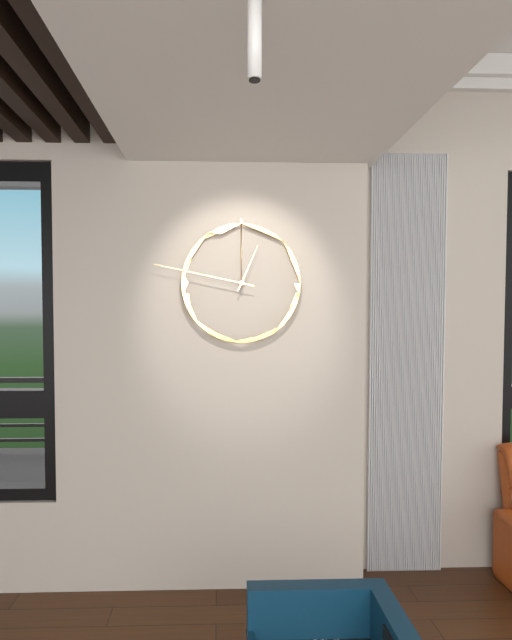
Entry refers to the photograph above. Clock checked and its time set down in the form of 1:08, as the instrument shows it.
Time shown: 12:47
